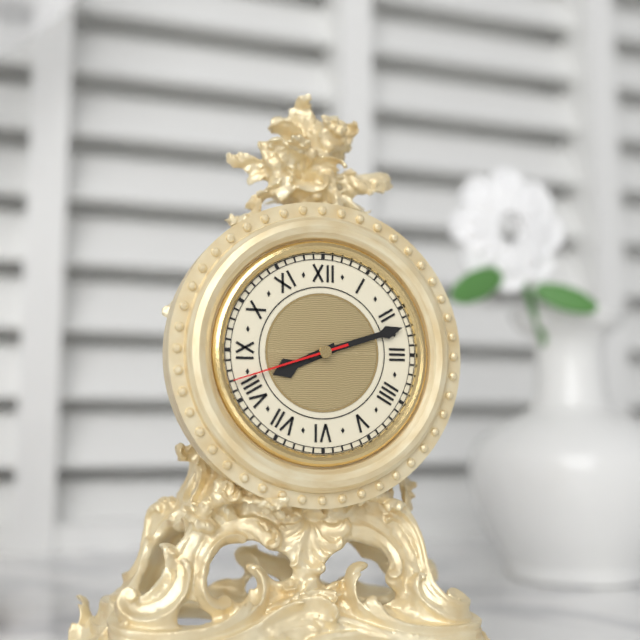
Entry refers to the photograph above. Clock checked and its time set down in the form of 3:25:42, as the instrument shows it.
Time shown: 8:12:42
